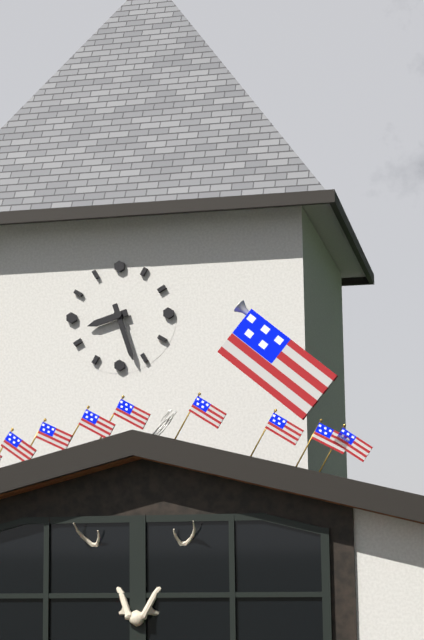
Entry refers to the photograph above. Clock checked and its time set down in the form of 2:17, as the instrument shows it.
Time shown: 8:27
